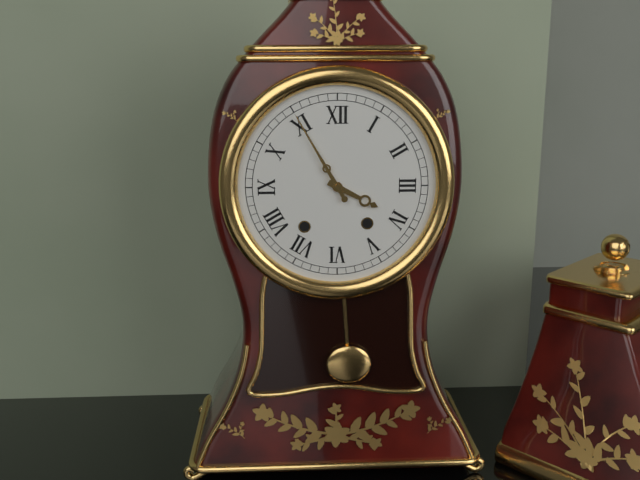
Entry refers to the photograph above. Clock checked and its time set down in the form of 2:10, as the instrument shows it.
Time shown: 3:55
